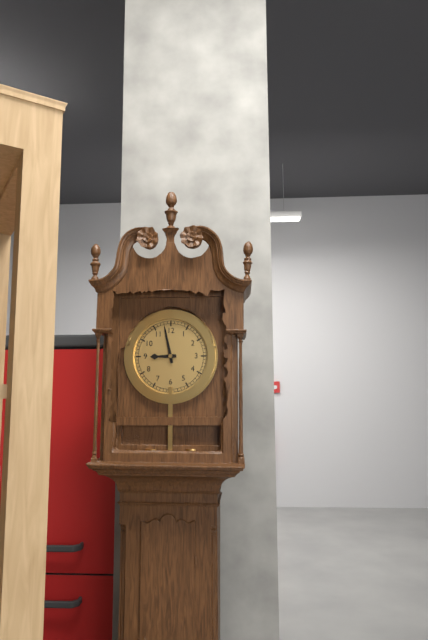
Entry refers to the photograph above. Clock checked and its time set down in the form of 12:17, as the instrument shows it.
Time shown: 8:58
